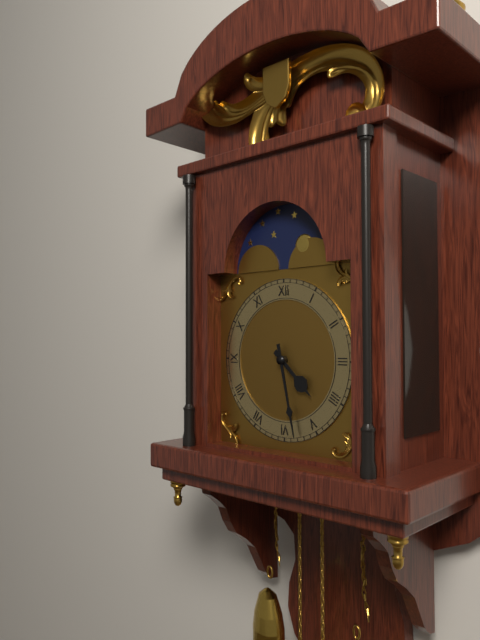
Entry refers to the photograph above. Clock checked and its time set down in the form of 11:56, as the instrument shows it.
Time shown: 4:28
